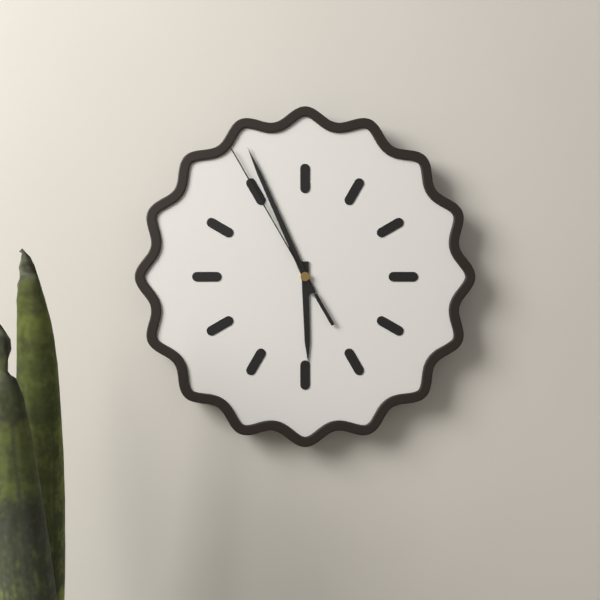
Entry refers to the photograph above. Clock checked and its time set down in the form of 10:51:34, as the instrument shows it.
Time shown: 5:56:55
